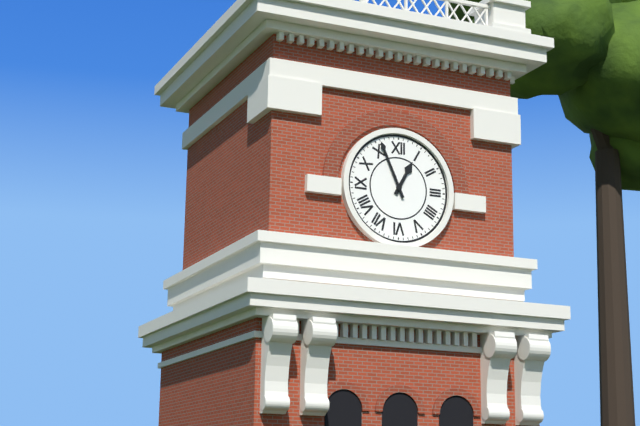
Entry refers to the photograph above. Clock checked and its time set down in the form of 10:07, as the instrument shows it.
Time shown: 12:56
